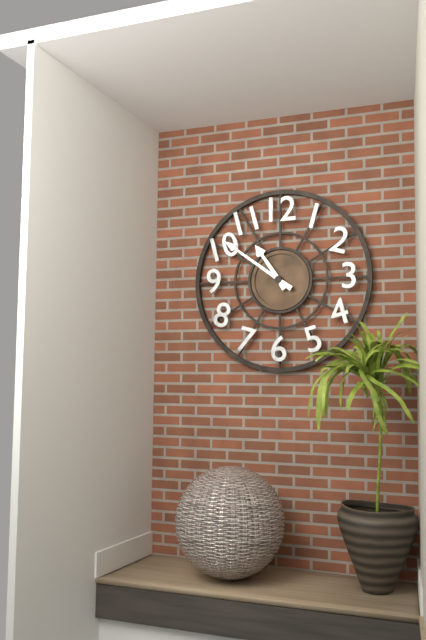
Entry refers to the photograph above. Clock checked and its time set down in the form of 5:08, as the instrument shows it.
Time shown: 10:51
